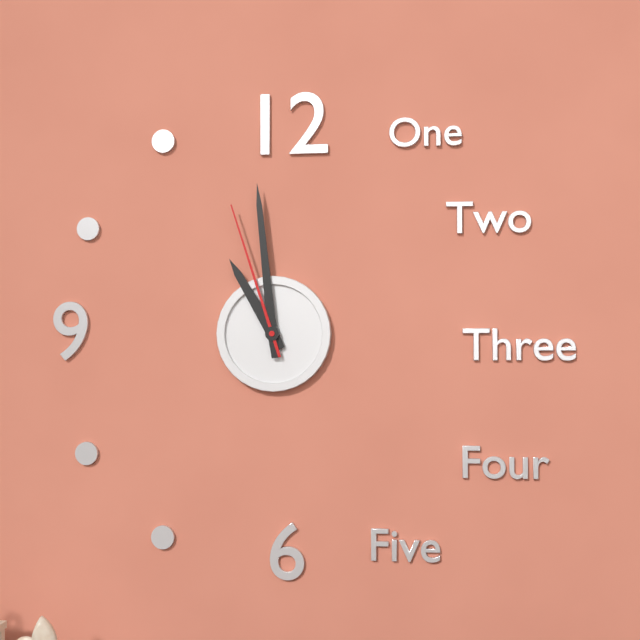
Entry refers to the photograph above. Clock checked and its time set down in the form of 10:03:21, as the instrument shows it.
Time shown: 10:59:57
